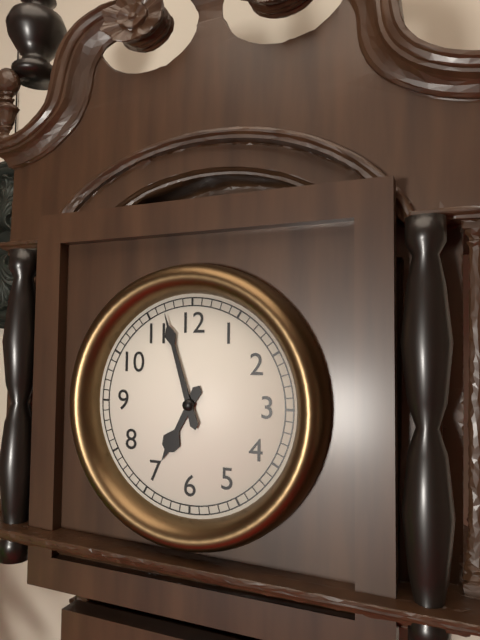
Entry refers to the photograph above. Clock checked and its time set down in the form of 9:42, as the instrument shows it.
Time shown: 6:57
